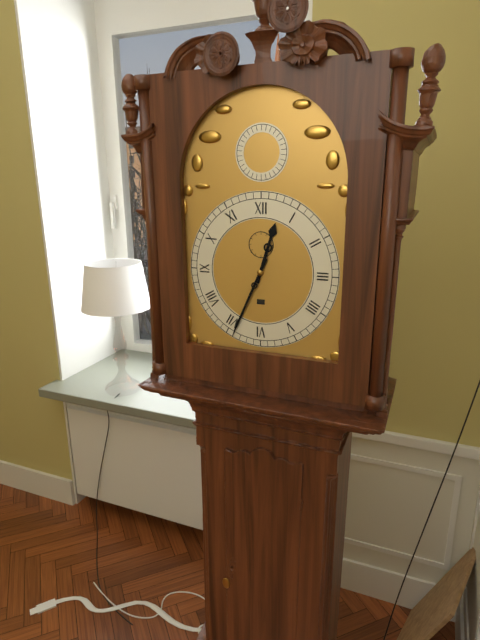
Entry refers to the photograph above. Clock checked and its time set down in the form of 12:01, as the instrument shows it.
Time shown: 12:34
